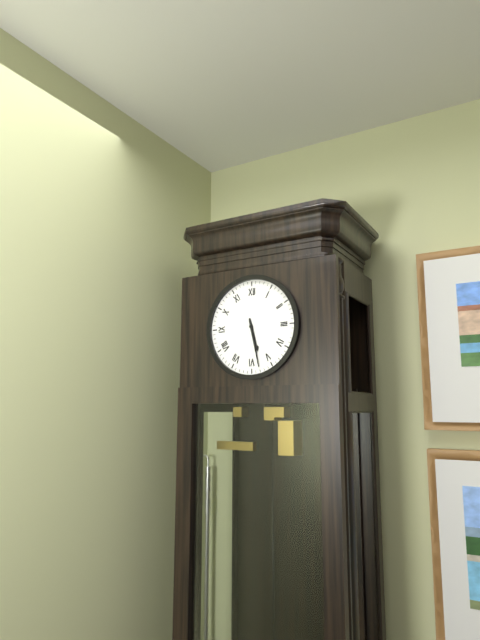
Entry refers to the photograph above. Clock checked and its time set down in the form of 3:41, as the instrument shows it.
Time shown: 5:28
